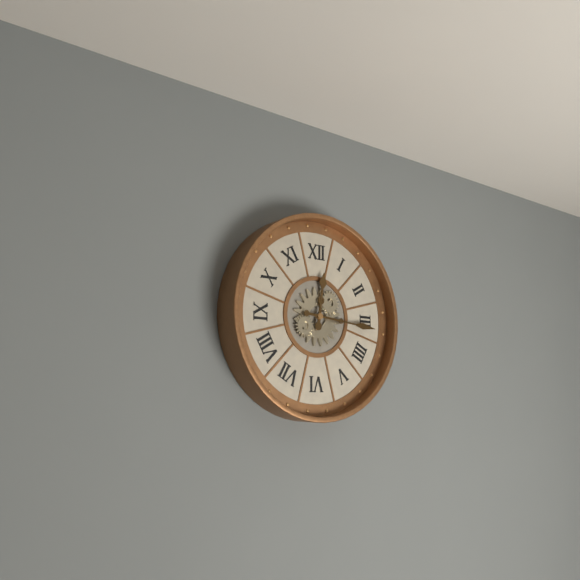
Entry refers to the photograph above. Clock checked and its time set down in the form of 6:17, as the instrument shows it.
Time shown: 12:16
